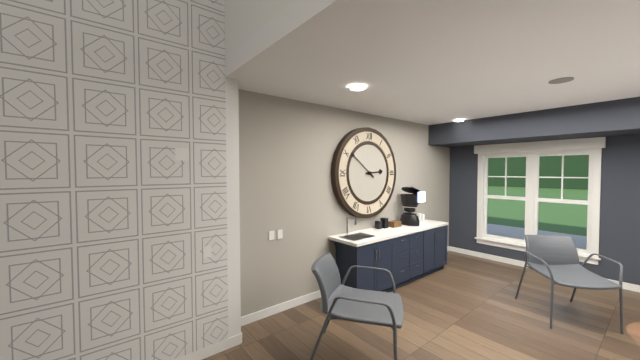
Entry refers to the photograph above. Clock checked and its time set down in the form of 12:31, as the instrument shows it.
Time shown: 2:51
